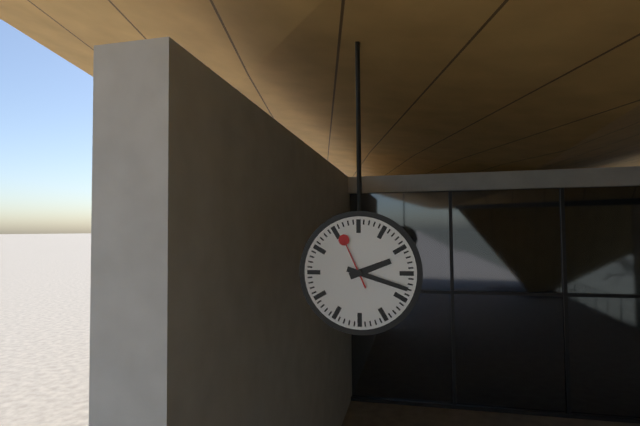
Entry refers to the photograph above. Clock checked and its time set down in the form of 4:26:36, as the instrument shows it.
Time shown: 2:18:56
